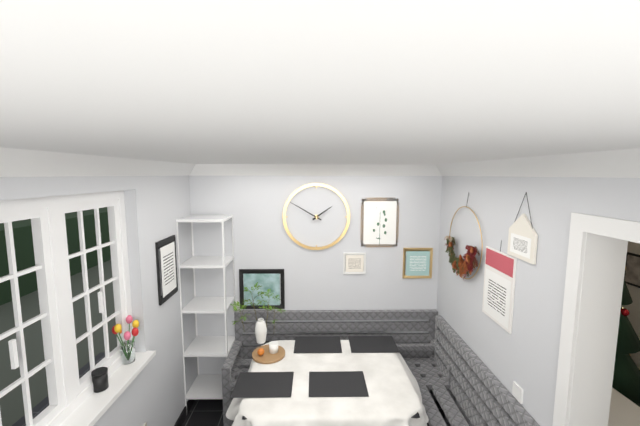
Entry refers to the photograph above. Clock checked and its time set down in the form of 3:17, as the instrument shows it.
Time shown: 1:50
